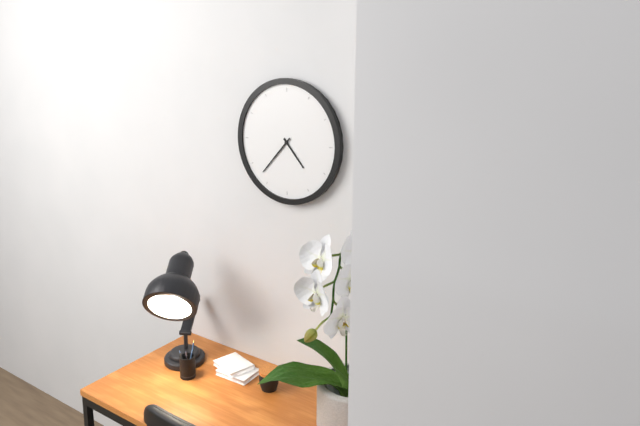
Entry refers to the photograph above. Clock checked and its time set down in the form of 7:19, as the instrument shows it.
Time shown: 4:37
